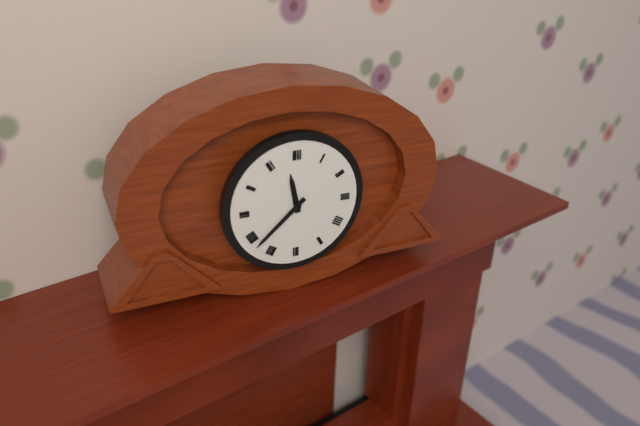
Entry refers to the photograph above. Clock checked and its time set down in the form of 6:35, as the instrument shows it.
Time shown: 11:38
